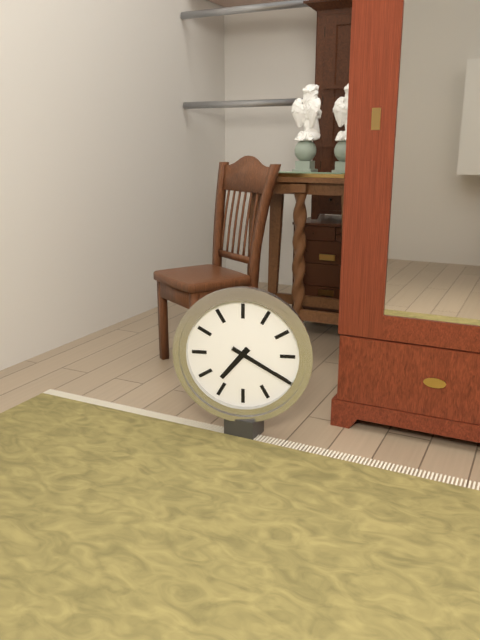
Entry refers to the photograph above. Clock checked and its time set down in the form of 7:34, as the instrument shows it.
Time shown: 7:20
